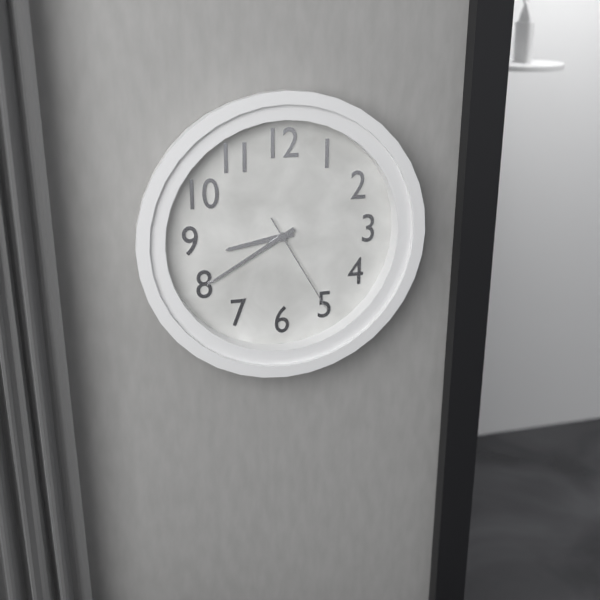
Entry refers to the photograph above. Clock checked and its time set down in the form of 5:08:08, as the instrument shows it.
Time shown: 8:40:25
